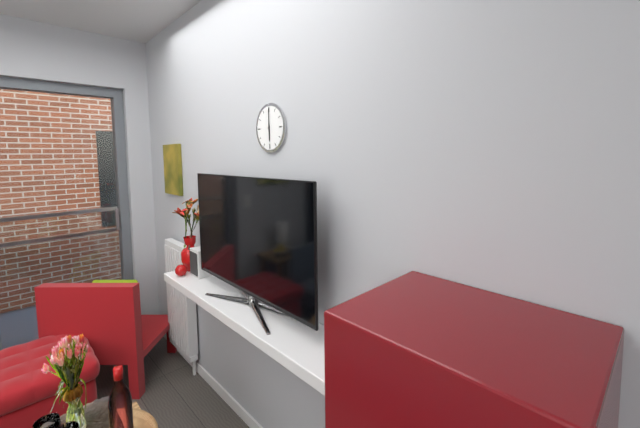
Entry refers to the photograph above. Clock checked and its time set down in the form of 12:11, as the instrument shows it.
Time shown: 6:00
